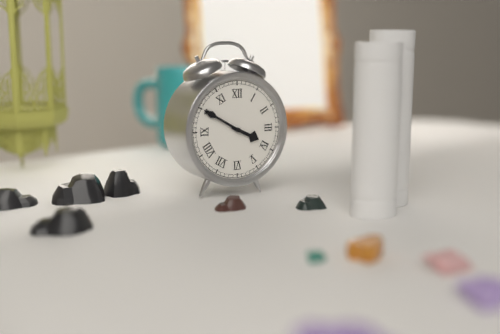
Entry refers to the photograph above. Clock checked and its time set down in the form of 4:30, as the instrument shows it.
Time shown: 3:50
